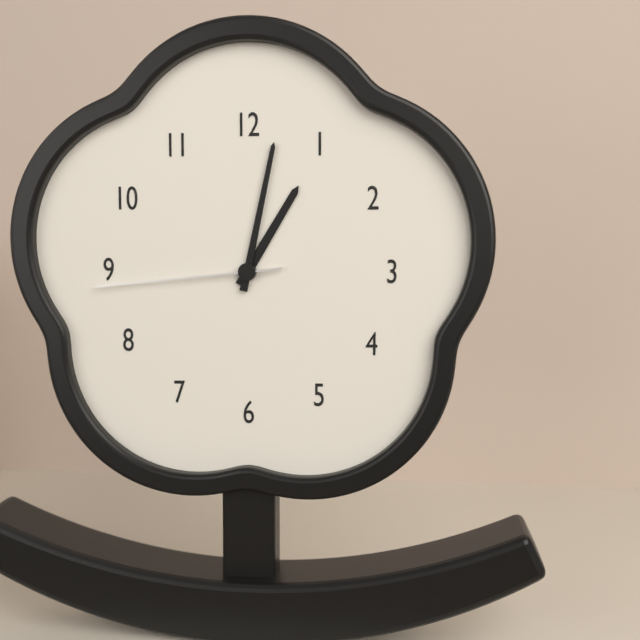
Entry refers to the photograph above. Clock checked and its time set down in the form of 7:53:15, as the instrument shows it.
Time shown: 1:02:44
